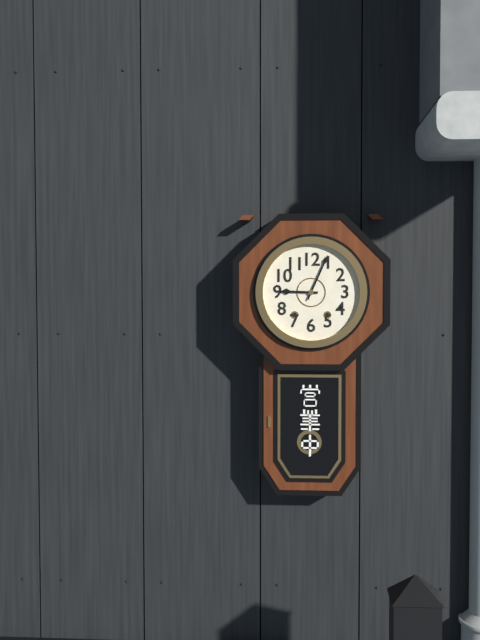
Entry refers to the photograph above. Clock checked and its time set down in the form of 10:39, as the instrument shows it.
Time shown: 9:04
